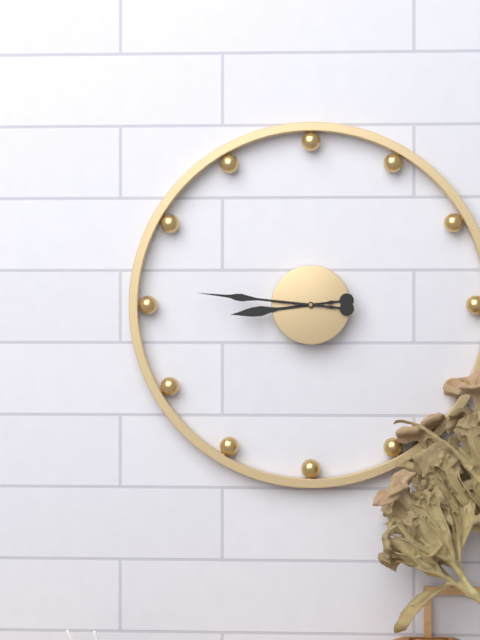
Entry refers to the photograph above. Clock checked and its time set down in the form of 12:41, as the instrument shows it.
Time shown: 8:46
